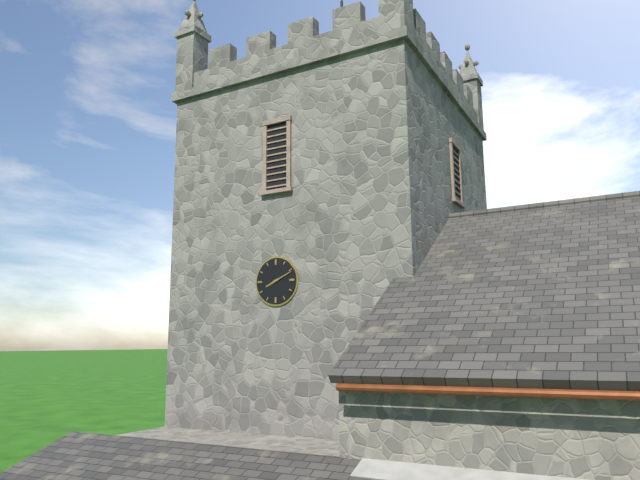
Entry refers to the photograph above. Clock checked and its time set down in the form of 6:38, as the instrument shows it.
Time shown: 8:11
